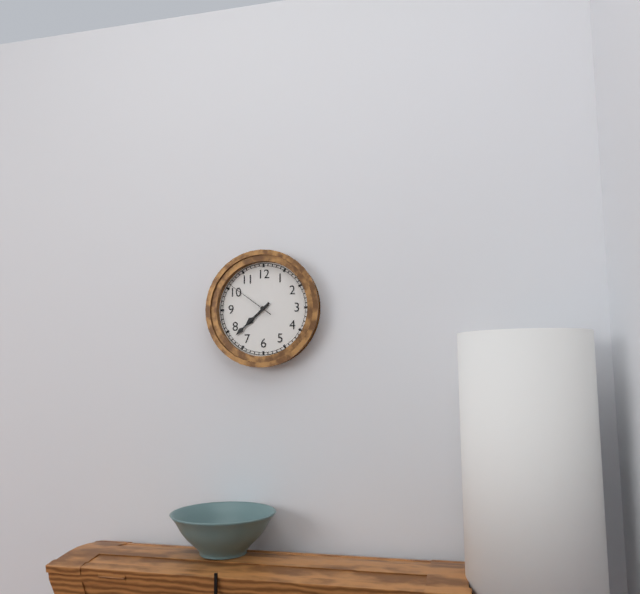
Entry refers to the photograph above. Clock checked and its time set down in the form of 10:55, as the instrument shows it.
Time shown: 7:38
